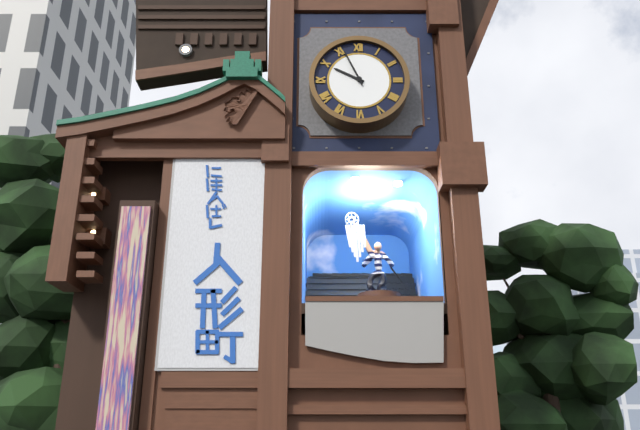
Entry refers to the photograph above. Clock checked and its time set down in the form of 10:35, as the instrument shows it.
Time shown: 9:56
